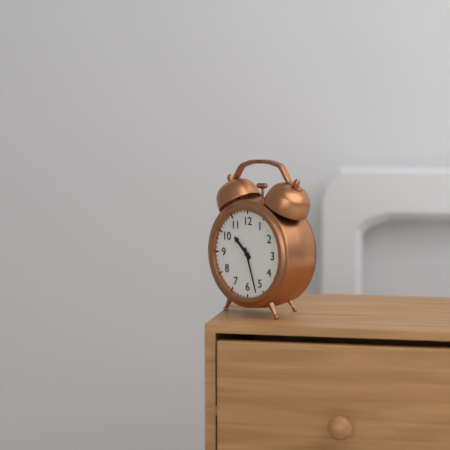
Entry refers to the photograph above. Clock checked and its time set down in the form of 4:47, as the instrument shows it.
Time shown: 10:27
